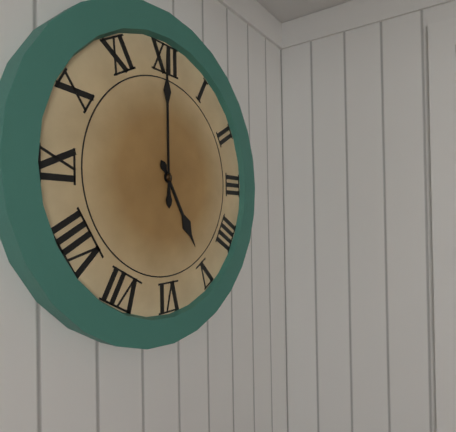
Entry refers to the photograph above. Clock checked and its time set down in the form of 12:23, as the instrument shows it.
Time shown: 5:00
